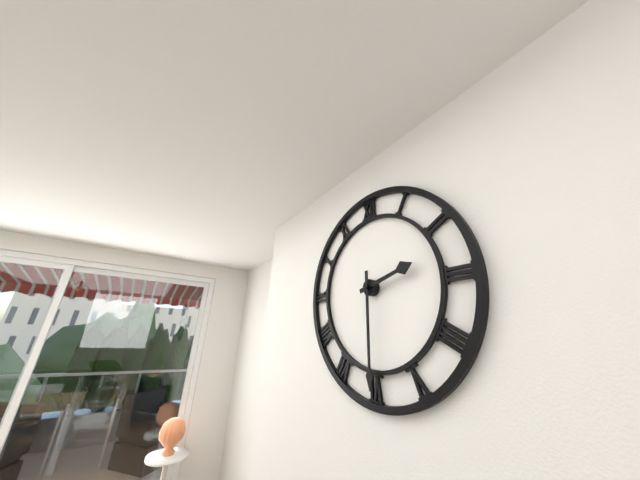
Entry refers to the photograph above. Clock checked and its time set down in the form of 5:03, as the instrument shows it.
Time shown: 2:30
